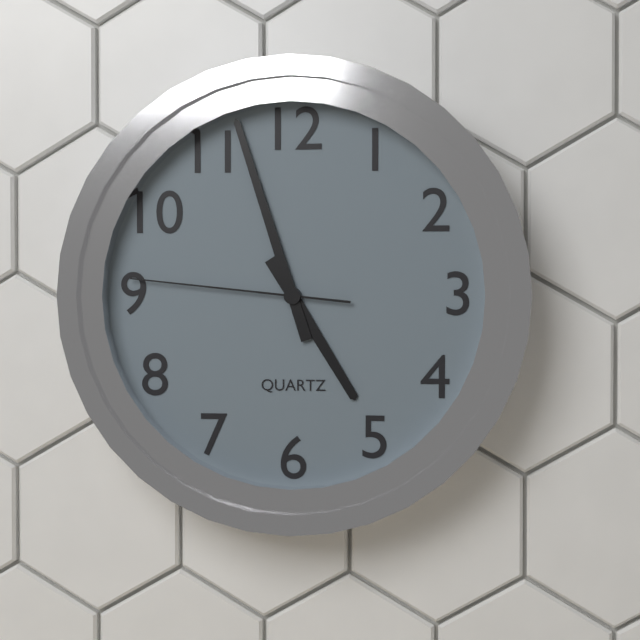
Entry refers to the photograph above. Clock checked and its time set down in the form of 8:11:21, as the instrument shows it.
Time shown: 4:57:46
